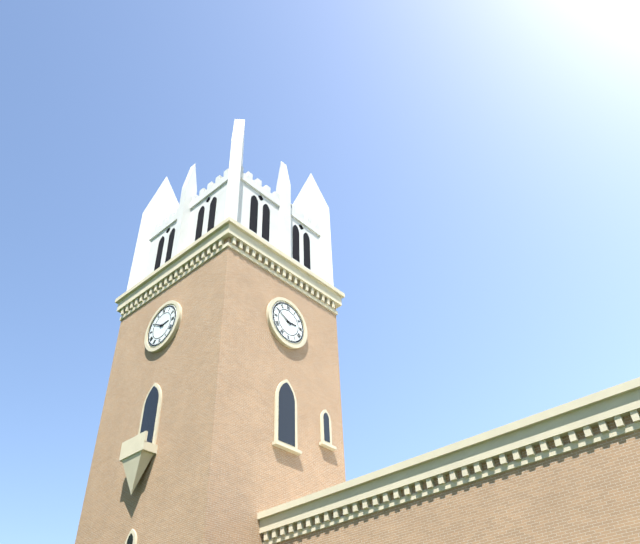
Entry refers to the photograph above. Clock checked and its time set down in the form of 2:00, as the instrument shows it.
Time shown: 2:50
